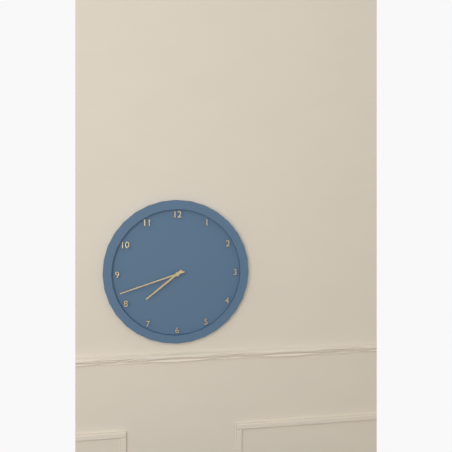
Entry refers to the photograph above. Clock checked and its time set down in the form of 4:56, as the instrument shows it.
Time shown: 7:42
